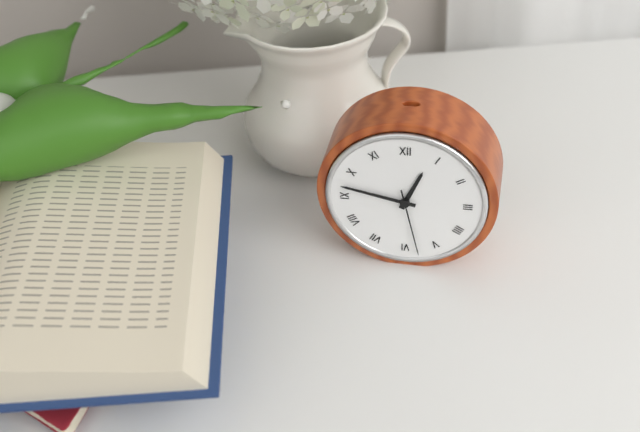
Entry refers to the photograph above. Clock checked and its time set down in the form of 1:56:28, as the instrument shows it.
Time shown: 12:47:28
